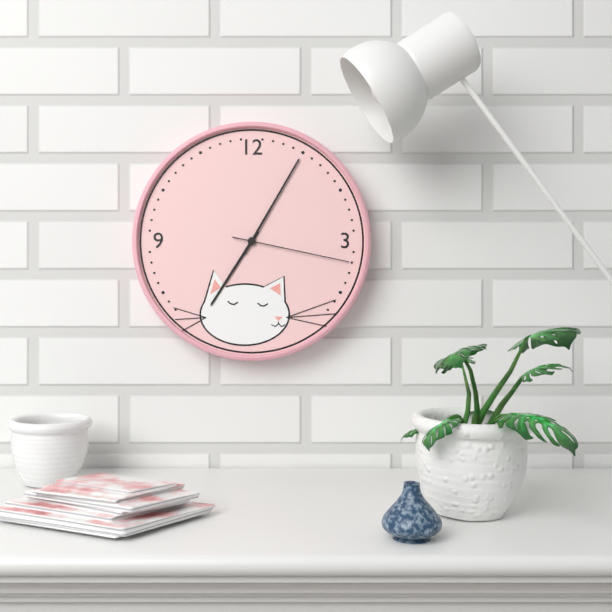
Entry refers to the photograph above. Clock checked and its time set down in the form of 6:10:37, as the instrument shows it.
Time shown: 7:05:17
